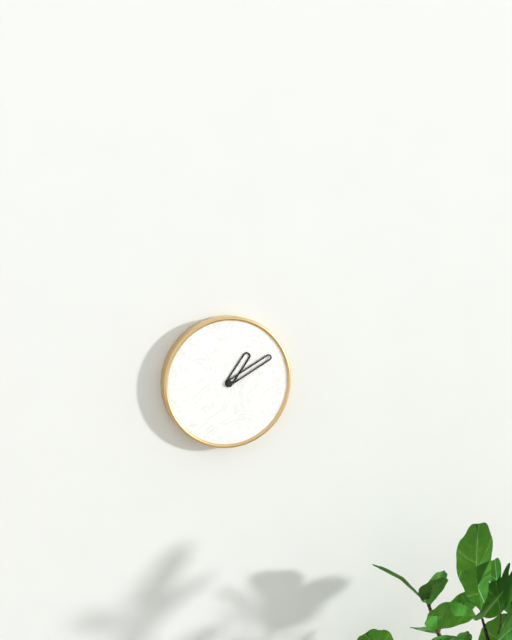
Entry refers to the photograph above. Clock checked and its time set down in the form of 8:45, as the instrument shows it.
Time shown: 1:10
